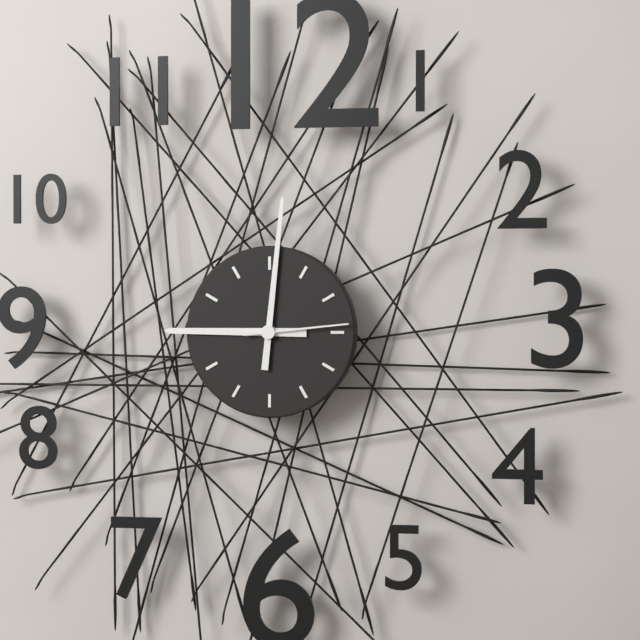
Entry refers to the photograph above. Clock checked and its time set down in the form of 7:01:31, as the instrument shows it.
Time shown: 9:01:14
